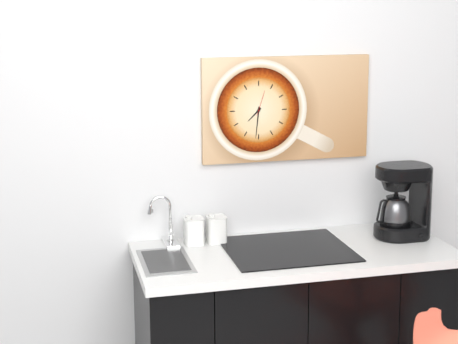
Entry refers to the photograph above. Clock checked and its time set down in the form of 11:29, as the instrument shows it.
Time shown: 7:31
